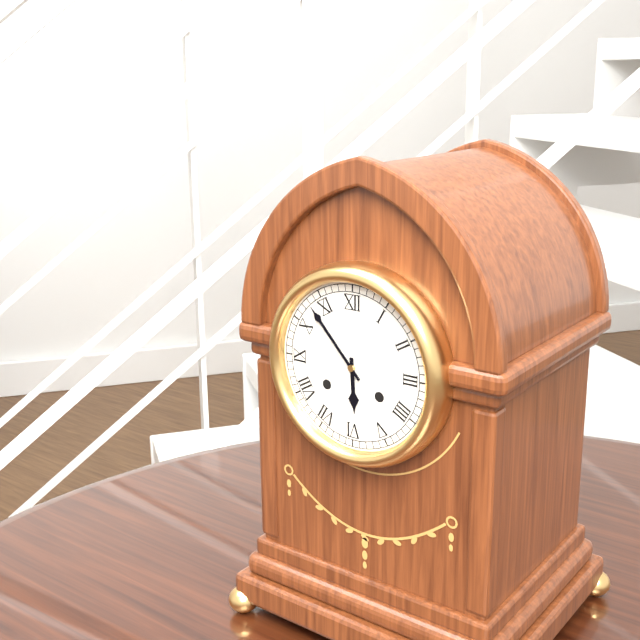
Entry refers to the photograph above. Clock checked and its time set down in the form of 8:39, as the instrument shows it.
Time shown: 5:53
